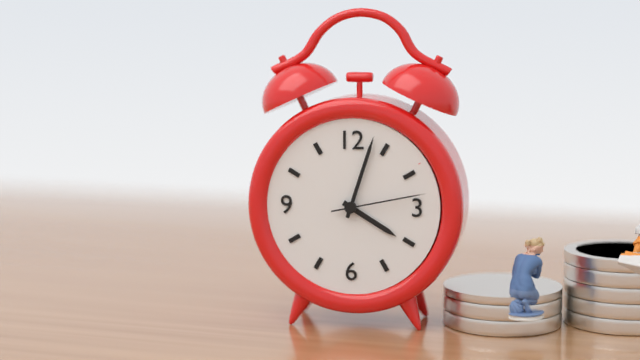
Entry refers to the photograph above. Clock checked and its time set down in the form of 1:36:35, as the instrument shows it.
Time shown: 4:03:13
